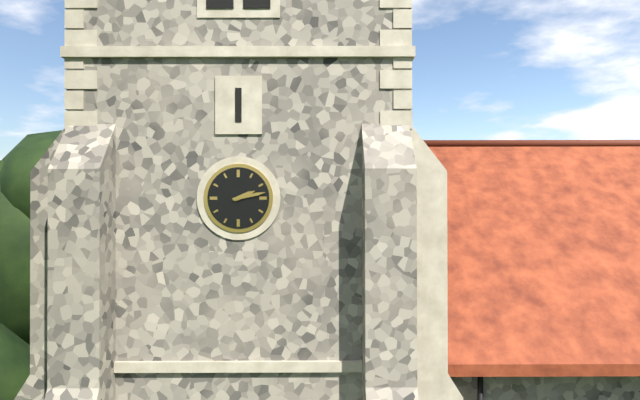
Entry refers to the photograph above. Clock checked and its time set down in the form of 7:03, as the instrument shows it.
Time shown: 2:13
